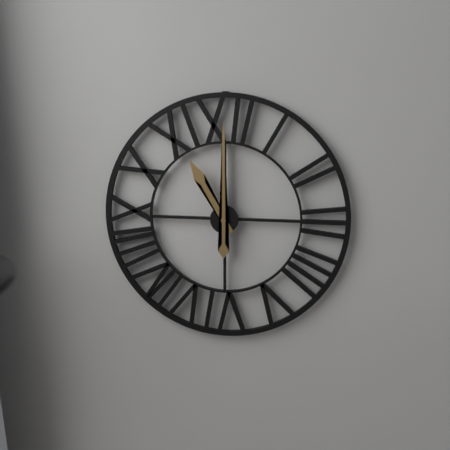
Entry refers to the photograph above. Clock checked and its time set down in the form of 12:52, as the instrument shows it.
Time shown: 11:00
